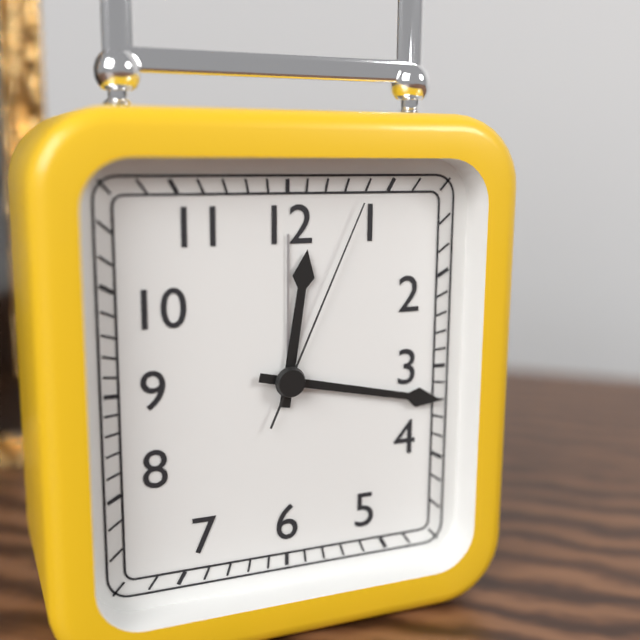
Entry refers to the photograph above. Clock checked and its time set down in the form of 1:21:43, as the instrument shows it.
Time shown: 12:17:04
